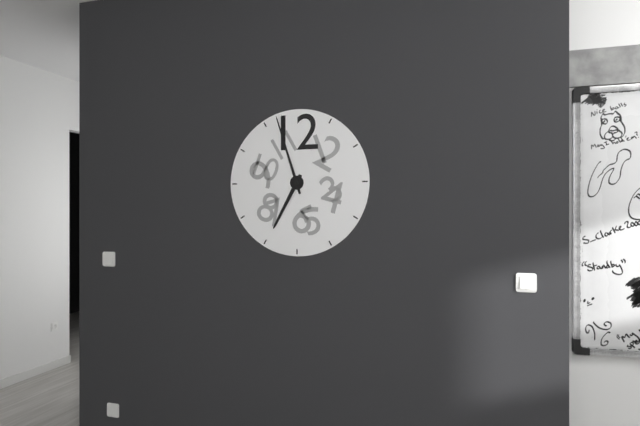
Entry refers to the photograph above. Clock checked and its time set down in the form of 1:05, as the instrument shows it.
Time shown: 6:57
